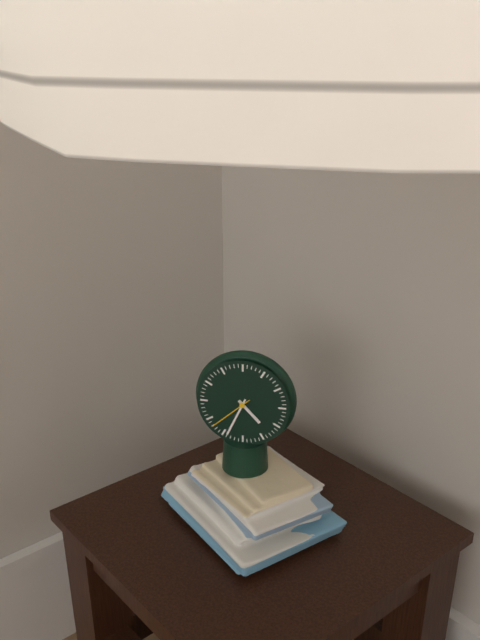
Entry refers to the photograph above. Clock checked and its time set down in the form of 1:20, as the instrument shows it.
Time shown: 4:34
